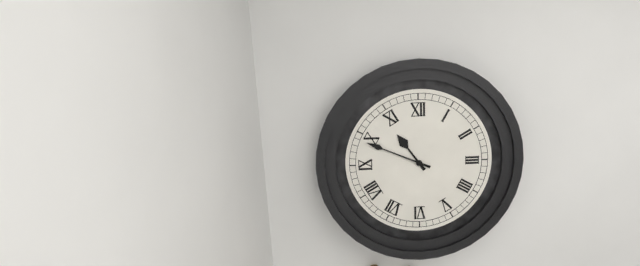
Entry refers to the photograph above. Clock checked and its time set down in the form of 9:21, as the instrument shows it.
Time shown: 10:49
